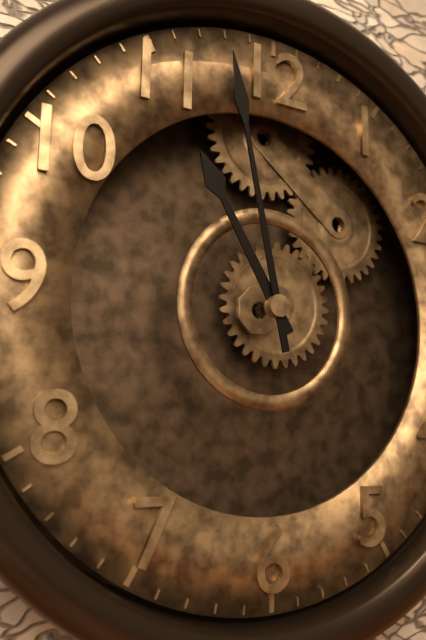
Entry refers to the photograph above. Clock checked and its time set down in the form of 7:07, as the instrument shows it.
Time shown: 10:58
